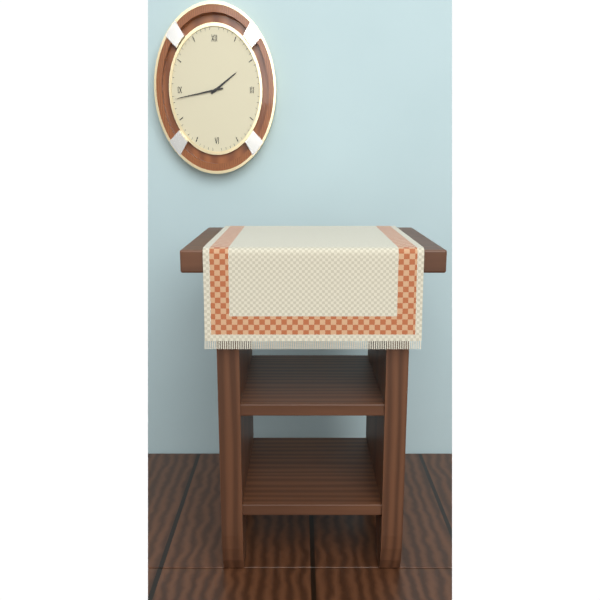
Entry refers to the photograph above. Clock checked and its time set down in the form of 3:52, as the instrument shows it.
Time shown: 1:43
